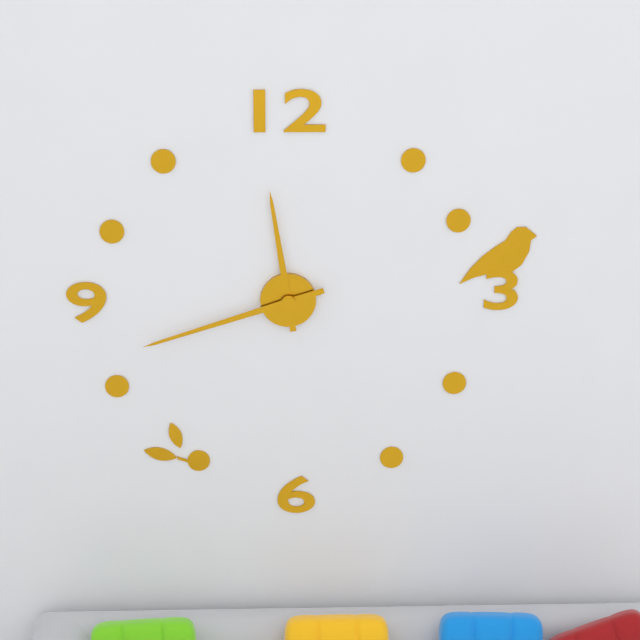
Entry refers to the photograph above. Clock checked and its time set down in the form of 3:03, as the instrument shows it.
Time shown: 11:42
